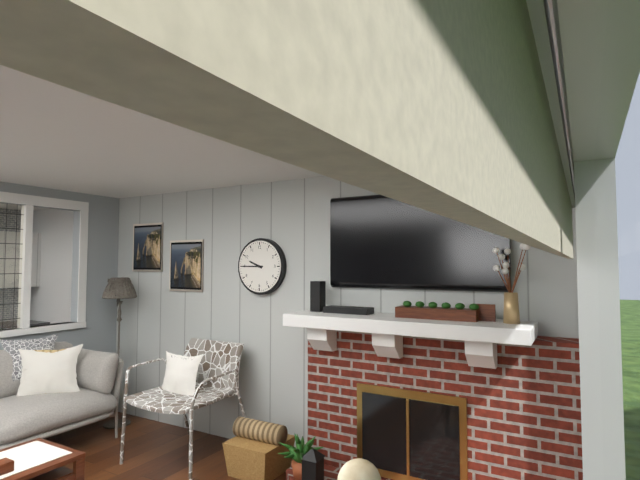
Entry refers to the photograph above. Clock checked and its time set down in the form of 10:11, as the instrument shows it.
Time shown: 9:45
